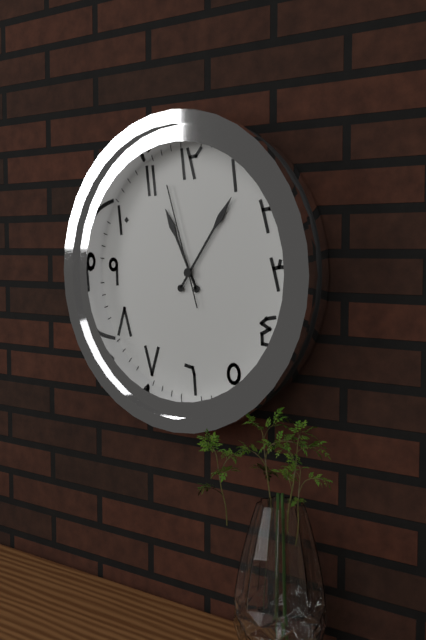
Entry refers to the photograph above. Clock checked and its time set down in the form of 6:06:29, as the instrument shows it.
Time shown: 11:06:57
